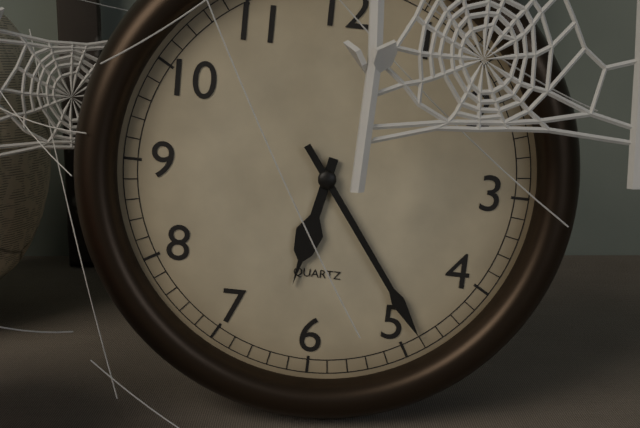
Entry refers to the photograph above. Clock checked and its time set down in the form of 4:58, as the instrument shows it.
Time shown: 6:24
